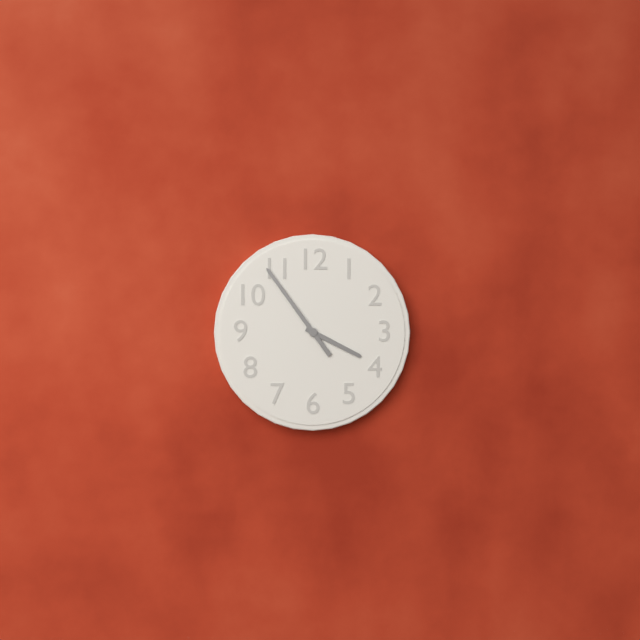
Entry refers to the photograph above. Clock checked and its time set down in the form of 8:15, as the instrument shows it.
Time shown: 3:54
